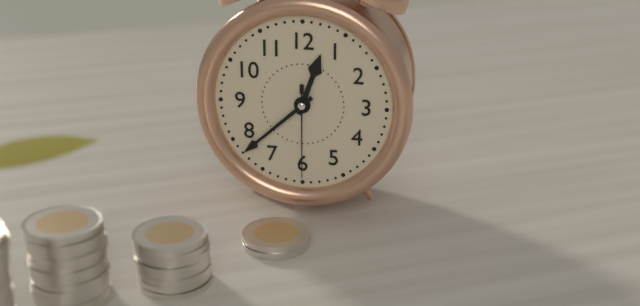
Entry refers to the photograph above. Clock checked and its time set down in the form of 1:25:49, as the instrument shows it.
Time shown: 12:38:30
